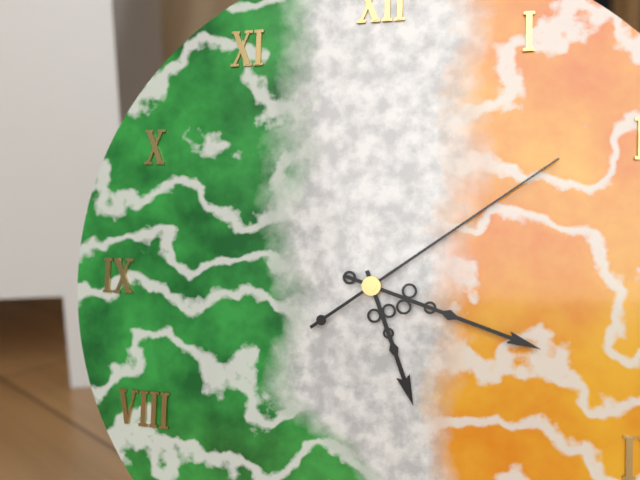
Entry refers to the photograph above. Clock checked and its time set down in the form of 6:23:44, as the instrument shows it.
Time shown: 5:18:09
